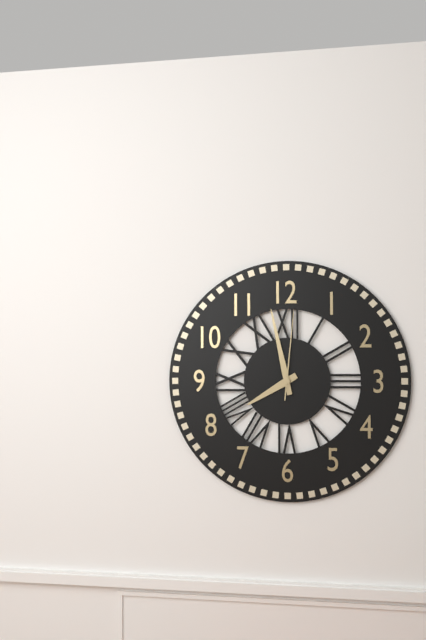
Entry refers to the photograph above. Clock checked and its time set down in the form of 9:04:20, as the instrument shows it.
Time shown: 7:58:01
